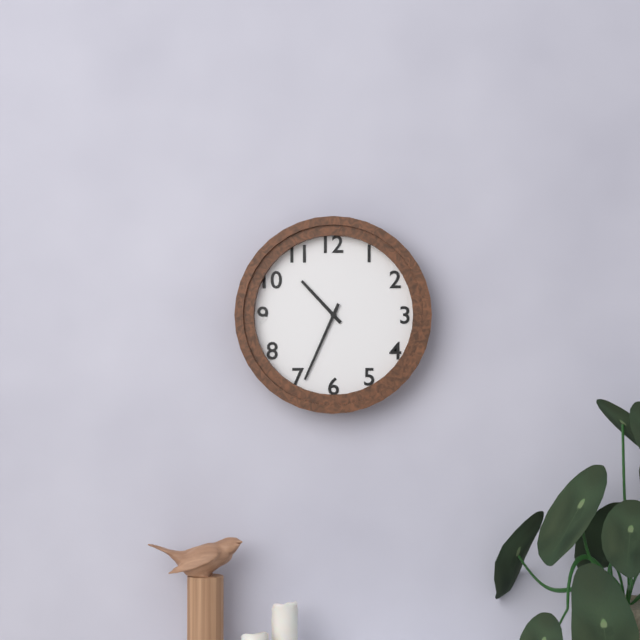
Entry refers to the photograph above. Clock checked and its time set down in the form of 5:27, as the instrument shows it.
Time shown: 10:34
